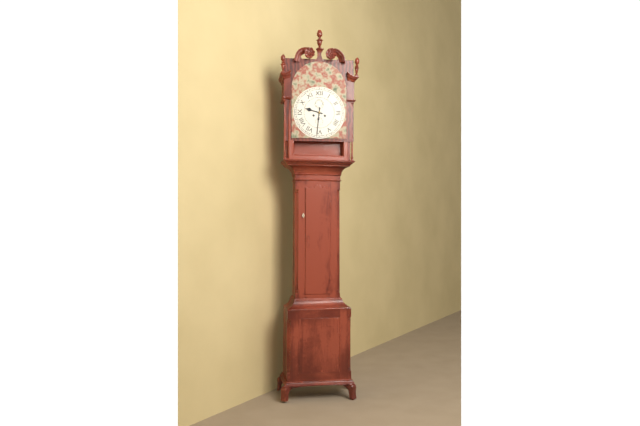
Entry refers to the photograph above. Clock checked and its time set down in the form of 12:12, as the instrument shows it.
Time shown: 9:31
